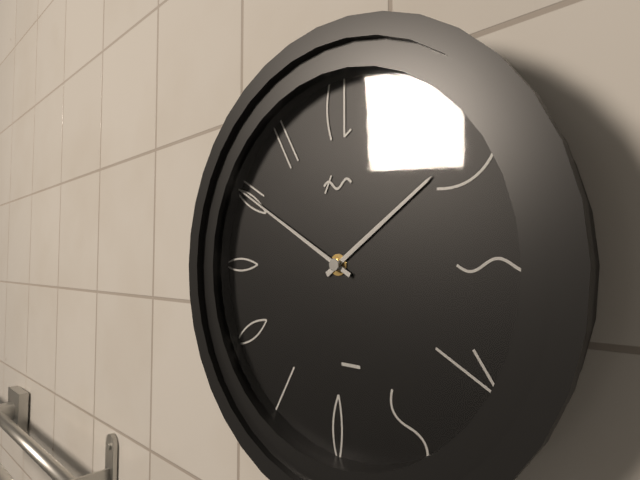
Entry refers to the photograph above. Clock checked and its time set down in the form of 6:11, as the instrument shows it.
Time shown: 1:50
